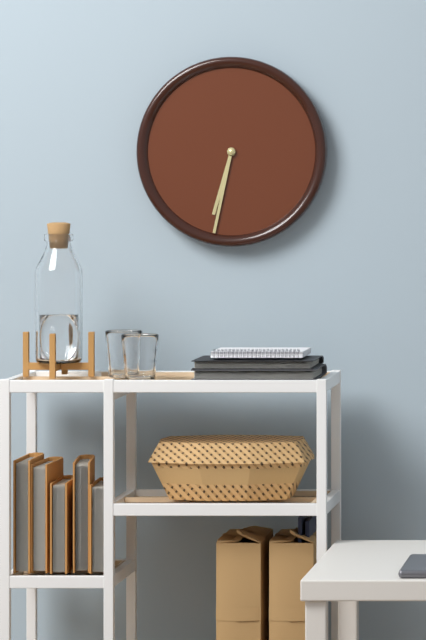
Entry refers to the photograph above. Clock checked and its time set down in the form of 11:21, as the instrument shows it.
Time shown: 6:32
